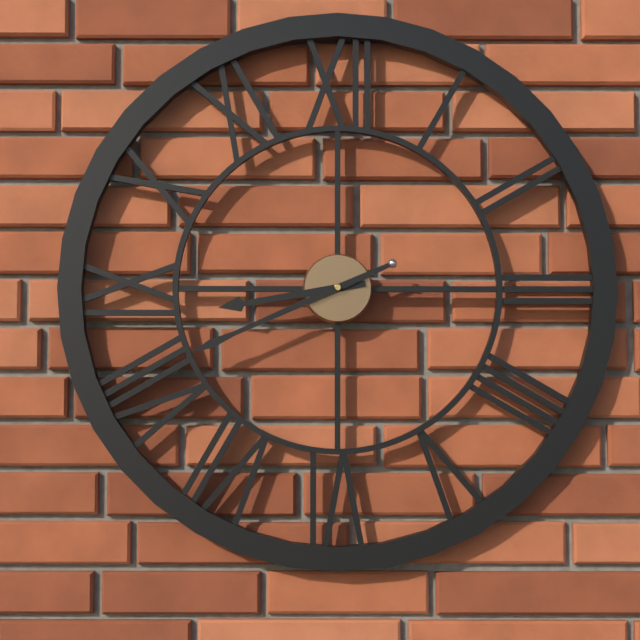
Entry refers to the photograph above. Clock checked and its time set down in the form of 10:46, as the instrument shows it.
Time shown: 8:41
